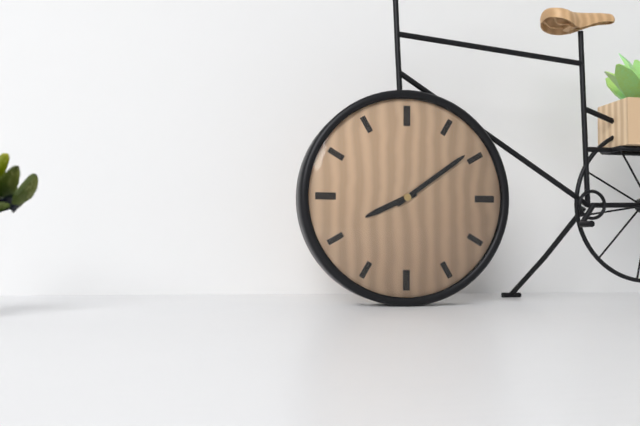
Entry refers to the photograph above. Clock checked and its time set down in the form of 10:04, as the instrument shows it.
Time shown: 8:09
